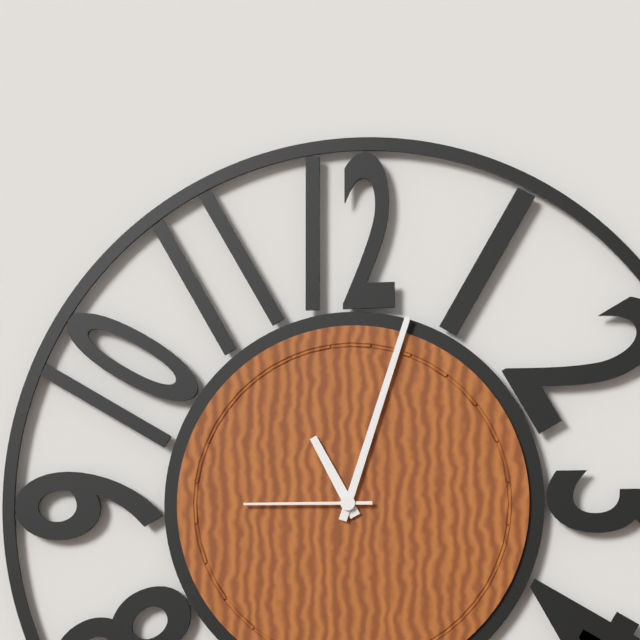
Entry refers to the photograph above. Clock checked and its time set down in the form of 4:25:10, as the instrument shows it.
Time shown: 11:03:45
